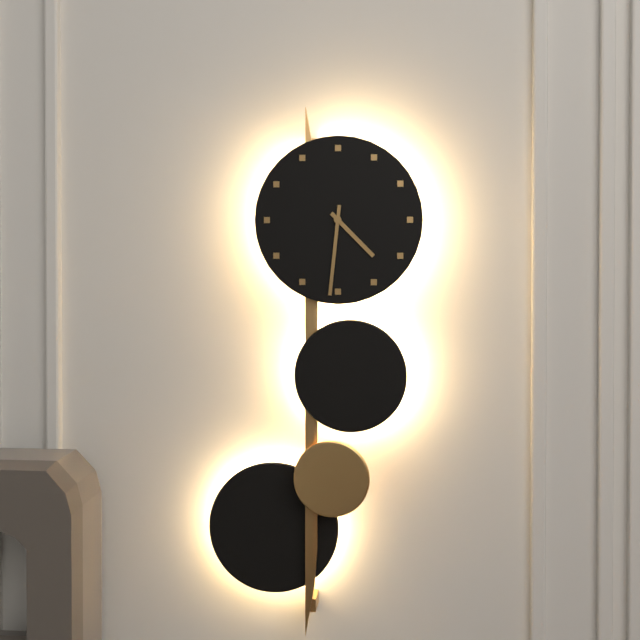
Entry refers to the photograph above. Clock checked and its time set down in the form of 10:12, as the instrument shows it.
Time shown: 4:31
